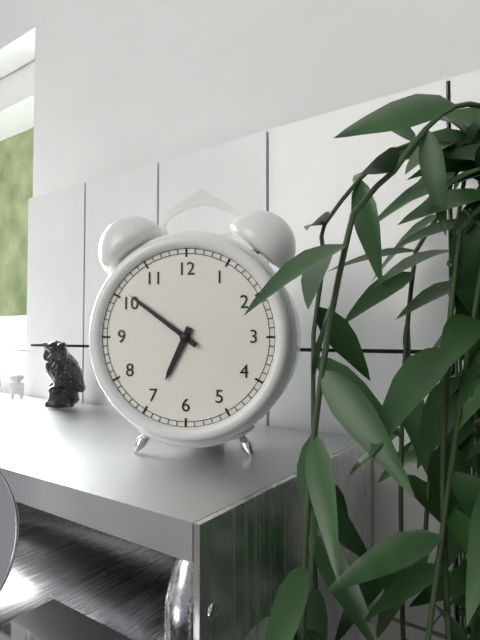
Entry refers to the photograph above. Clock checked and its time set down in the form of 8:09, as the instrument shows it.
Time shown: 6:51
